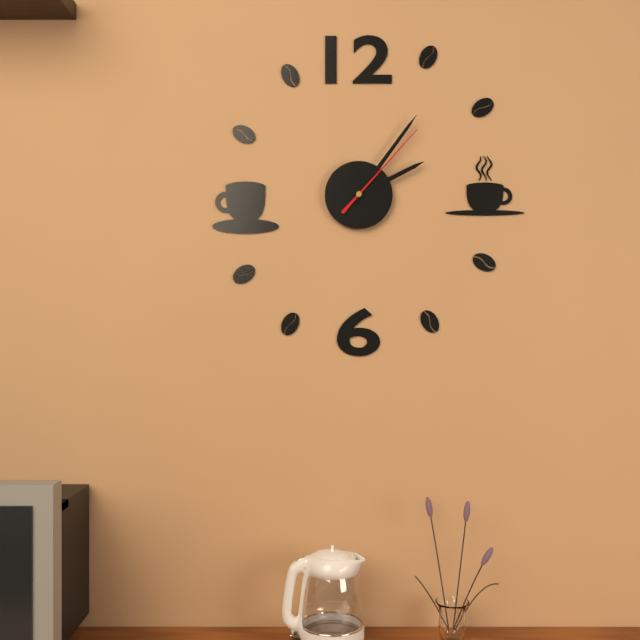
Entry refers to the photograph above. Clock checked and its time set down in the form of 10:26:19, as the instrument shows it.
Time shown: 2:06:07
